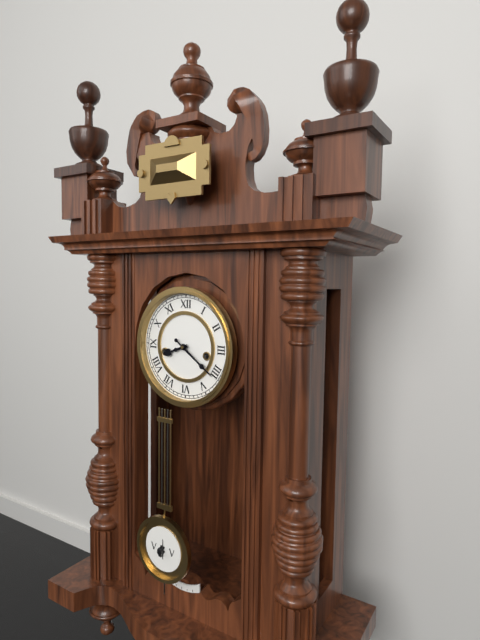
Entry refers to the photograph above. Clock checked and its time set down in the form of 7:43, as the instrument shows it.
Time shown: 8:21
